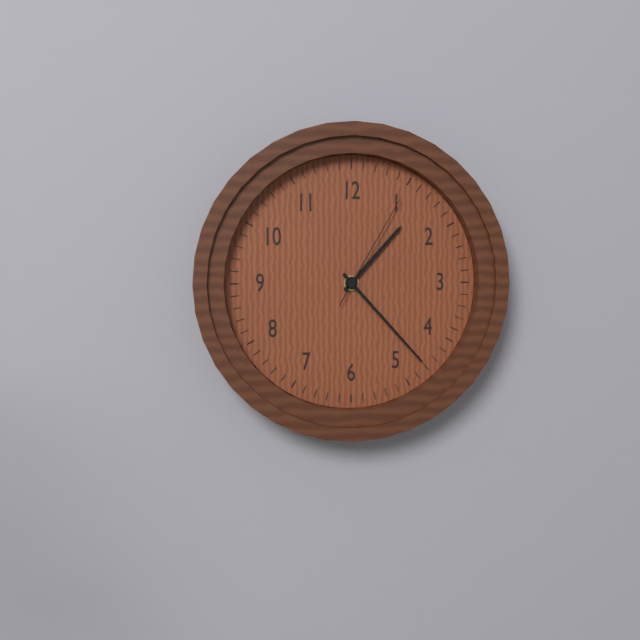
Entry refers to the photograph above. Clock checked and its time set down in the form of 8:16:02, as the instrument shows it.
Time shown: 1:23:05
